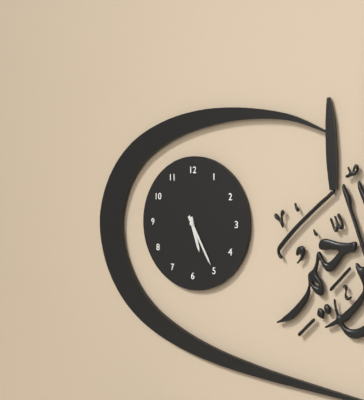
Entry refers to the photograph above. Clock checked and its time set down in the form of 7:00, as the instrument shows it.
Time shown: 5:25
